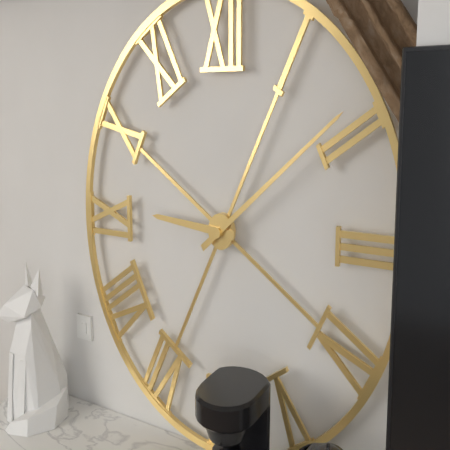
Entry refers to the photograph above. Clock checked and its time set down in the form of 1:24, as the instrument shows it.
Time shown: 9:09
